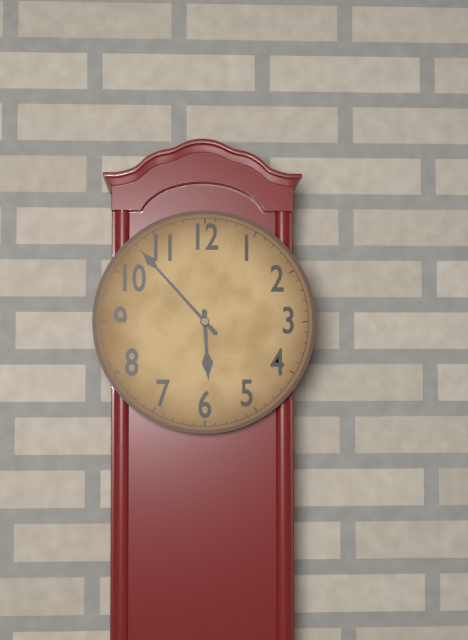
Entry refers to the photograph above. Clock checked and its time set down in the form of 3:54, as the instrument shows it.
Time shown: 5:53
